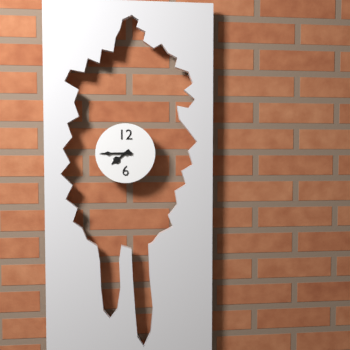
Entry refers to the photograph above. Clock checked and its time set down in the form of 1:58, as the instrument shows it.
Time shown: 7:45
